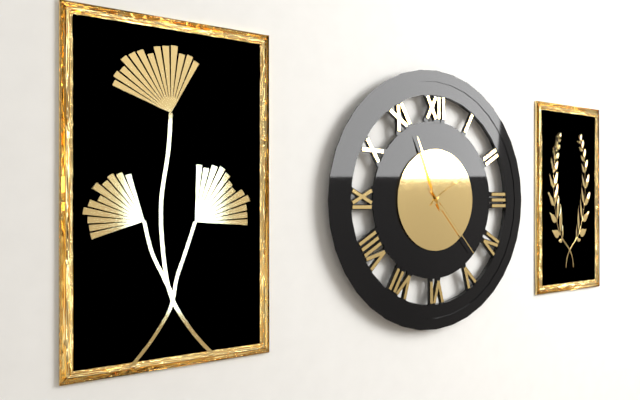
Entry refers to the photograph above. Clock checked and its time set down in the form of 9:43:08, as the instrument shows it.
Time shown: 1:56:23
